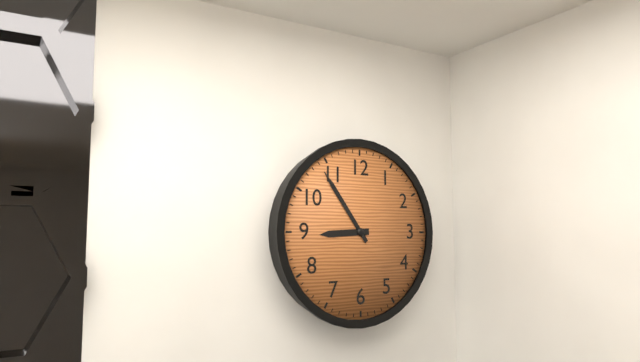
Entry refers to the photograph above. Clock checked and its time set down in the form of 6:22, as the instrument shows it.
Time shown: 8:54
